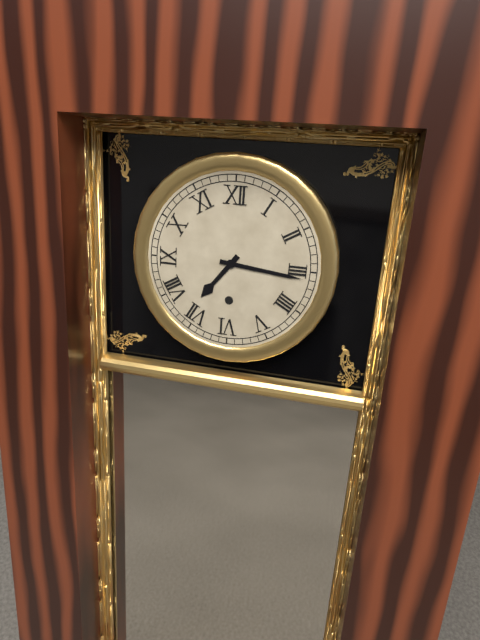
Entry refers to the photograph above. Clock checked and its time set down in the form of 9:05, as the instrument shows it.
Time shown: 7:16
